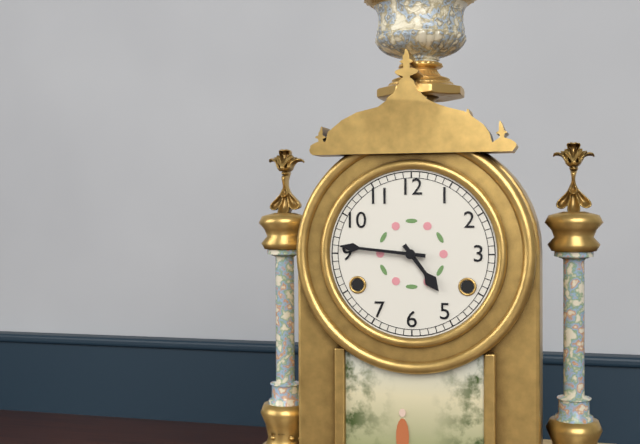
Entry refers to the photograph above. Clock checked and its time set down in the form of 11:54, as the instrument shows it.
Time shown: 4:46
